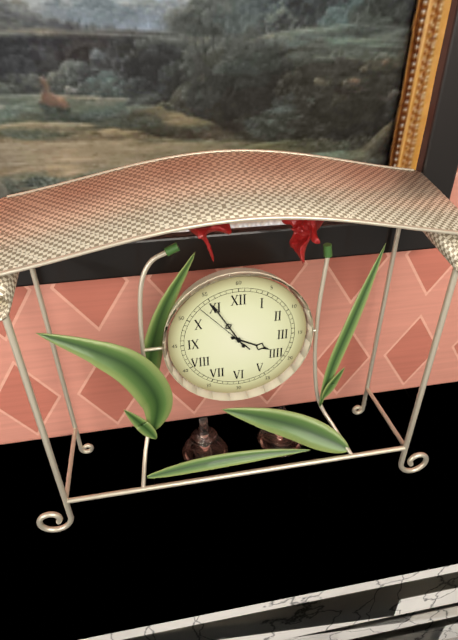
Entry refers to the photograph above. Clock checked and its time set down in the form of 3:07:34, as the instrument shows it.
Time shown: 3:55:53
